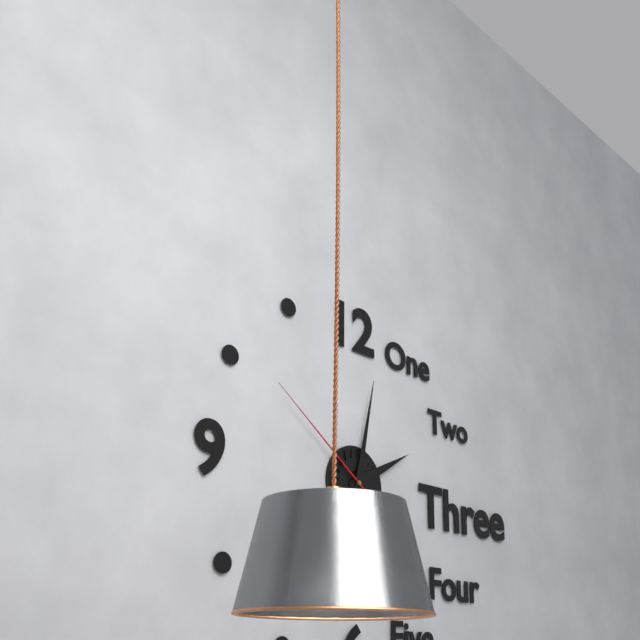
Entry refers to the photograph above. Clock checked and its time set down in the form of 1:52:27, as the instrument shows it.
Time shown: 2:02:51
